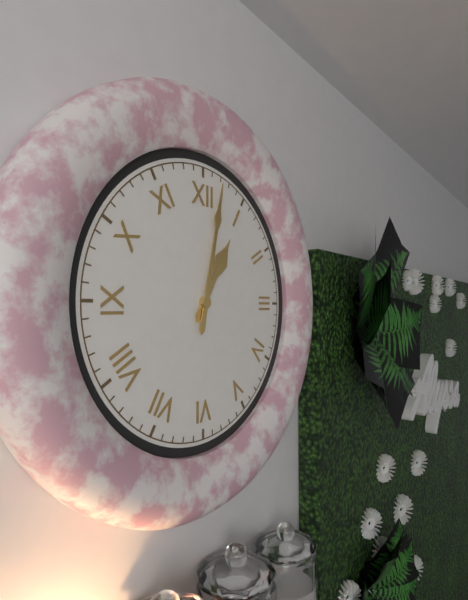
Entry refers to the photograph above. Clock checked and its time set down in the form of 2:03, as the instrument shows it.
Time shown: 1:02
